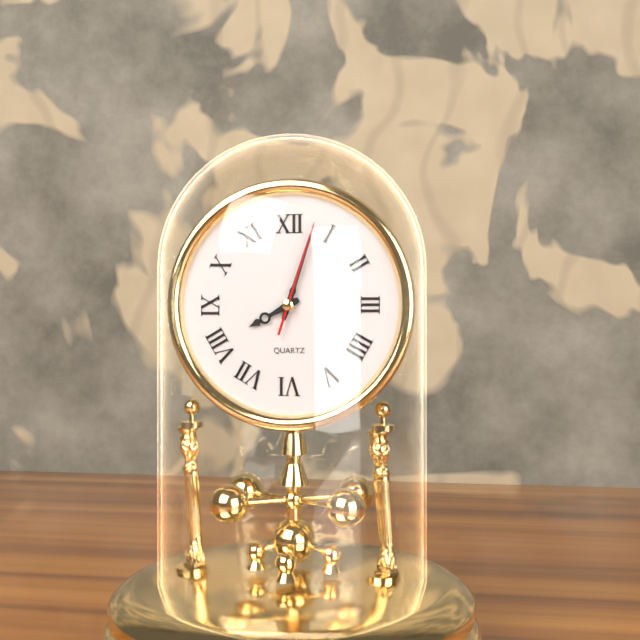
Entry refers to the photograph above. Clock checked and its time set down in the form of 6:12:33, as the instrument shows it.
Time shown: 8:03:03
